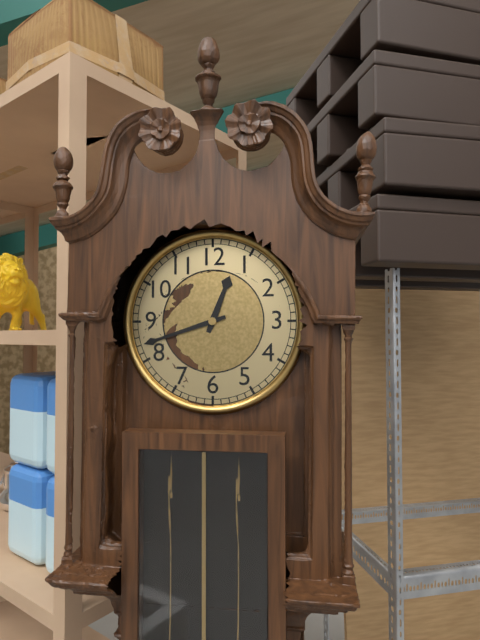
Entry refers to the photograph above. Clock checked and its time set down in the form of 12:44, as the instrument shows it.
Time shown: 12:42
